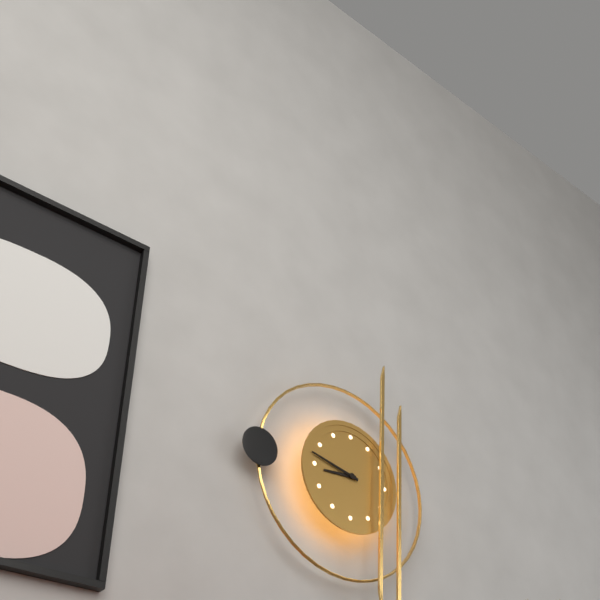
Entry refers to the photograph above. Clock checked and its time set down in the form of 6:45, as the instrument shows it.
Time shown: 8:47
